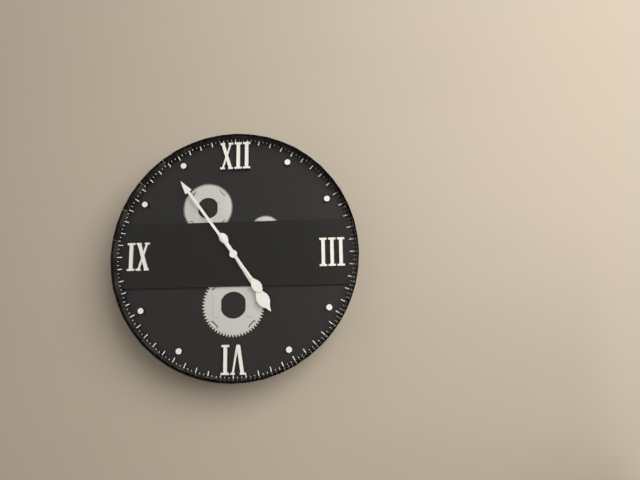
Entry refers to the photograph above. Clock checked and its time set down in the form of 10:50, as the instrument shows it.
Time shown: 4:54
